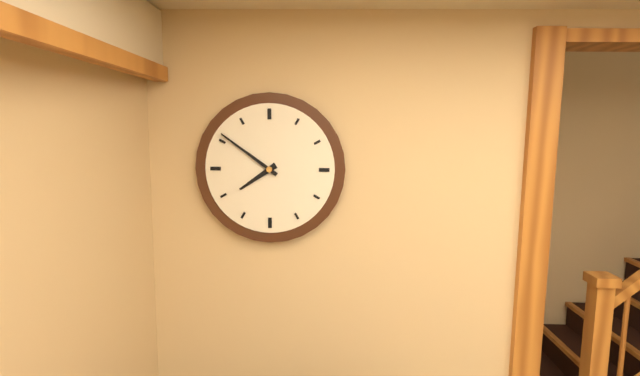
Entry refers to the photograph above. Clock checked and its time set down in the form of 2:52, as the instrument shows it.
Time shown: 7:51
